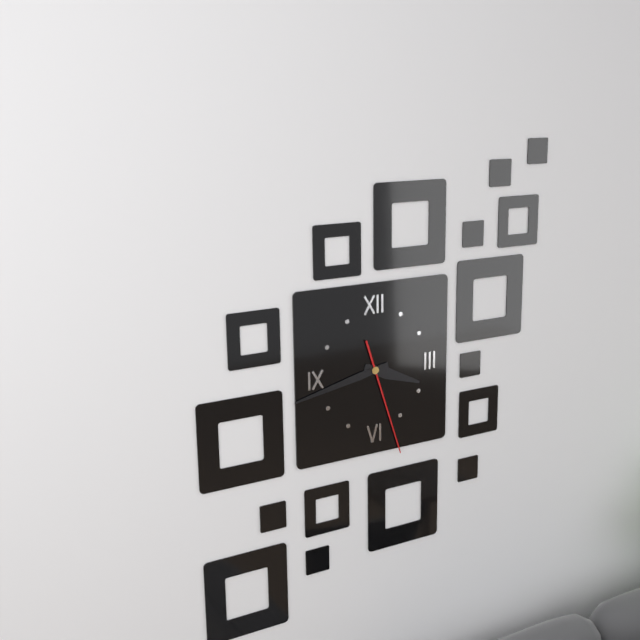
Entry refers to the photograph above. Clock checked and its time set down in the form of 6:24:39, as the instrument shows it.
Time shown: 3:43:27
